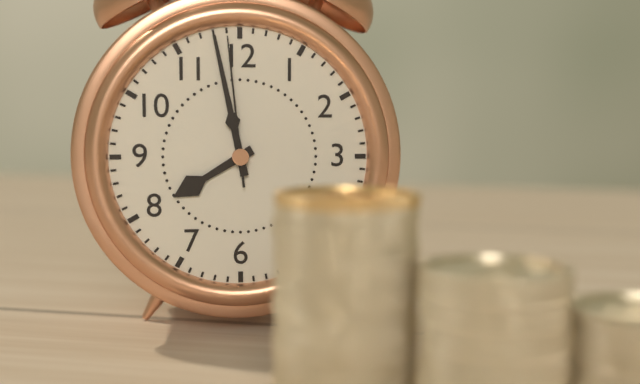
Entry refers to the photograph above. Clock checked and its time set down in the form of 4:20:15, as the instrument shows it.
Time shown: 7:58:59
